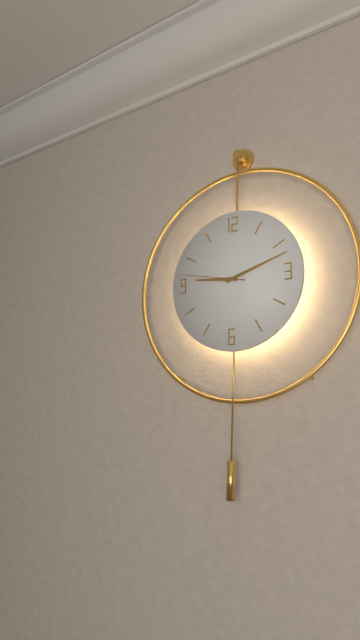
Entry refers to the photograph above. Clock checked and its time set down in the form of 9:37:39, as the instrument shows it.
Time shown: 9:12:47
